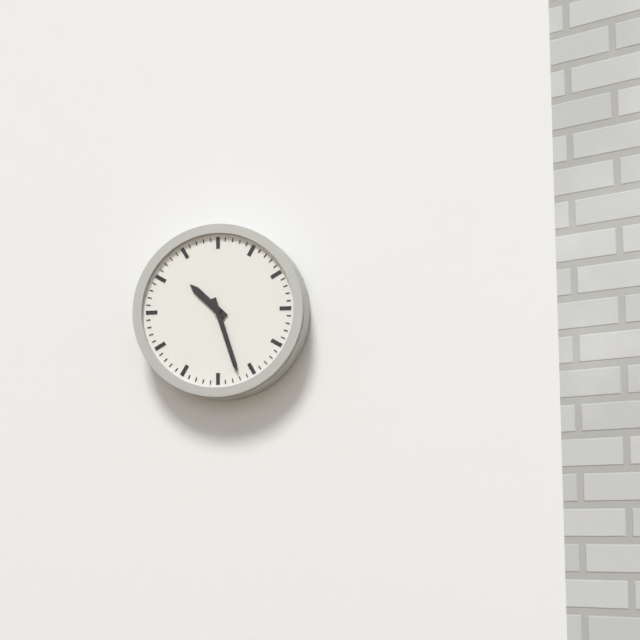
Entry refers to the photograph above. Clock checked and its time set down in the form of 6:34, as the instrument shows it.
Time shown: 10:27
